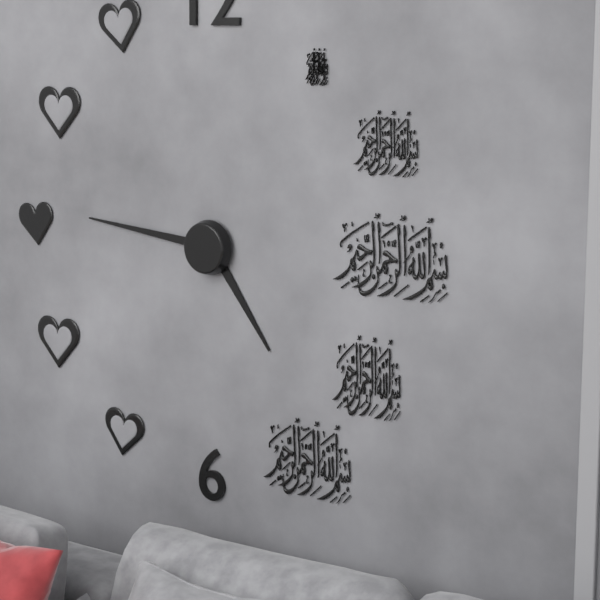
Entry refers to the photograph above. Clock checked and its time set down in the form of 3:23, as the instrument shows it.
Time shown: 4:46
